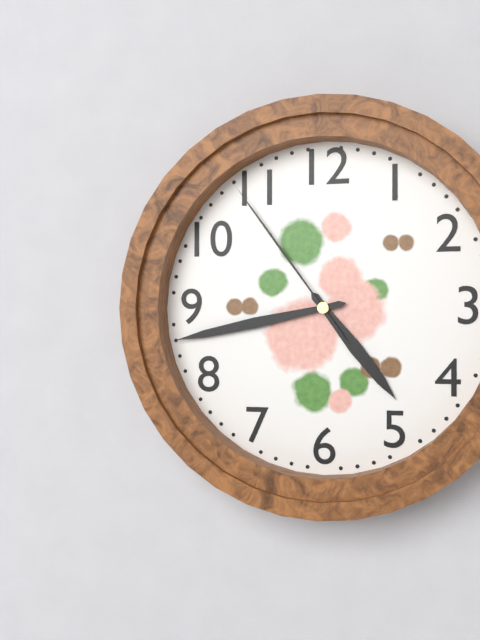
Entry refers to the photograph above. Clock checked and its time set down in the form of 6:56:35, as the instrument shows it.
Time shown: 4:43:54
